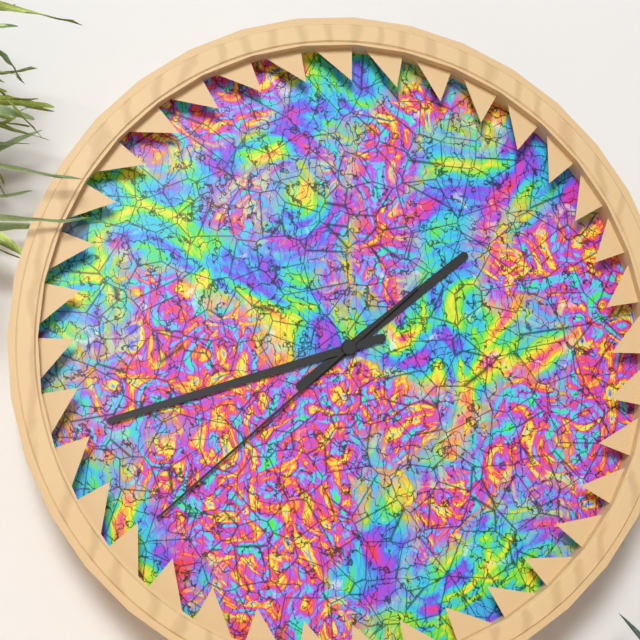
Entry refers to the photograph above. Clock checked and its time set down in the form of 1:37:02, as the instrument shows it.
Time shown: 1:42:38
